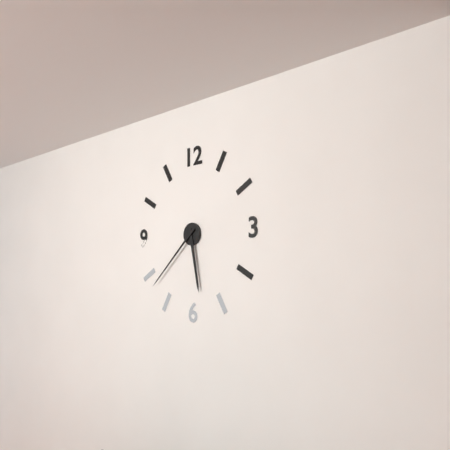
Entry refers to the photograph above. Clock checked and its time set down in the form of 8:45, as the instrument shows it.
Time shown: 5:38
